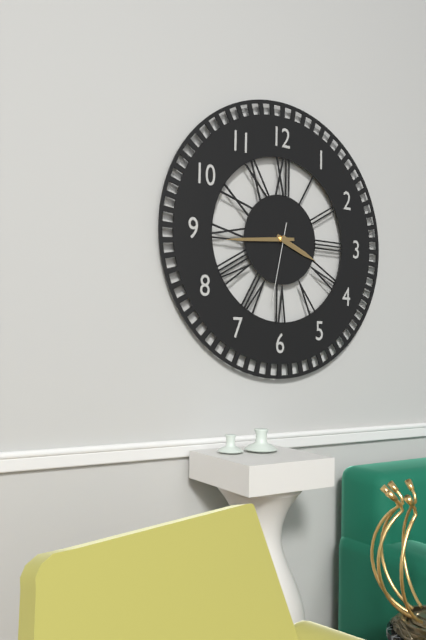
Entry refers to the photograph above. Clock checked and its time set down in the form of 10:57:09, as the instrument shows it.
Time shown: 3:44:32
